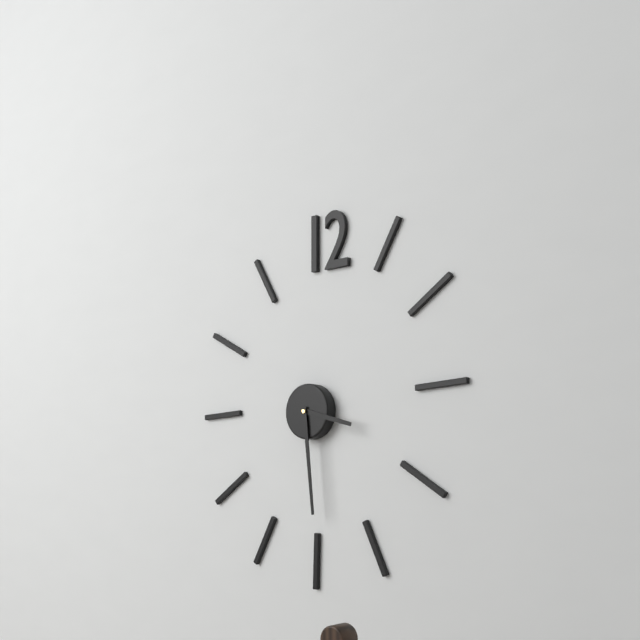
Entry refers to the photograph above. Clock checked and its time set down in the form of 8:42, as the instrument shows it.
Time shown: 3:29
